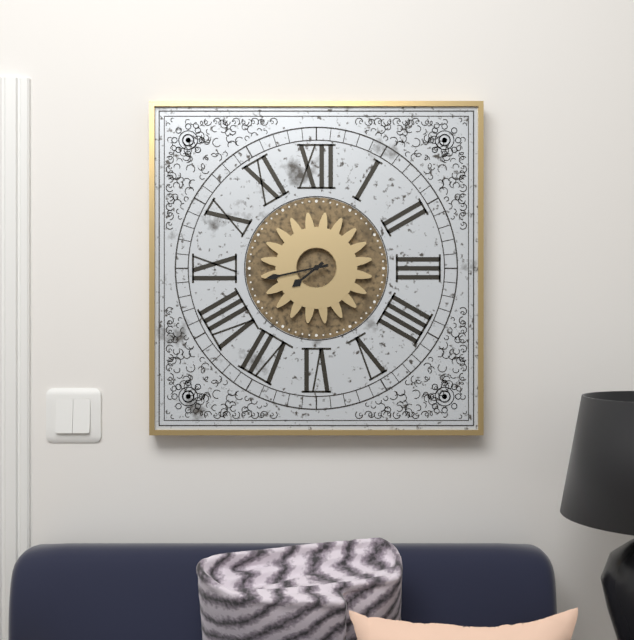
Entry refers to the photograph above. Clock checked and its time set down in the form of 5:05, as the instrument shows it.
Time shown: 7:43
